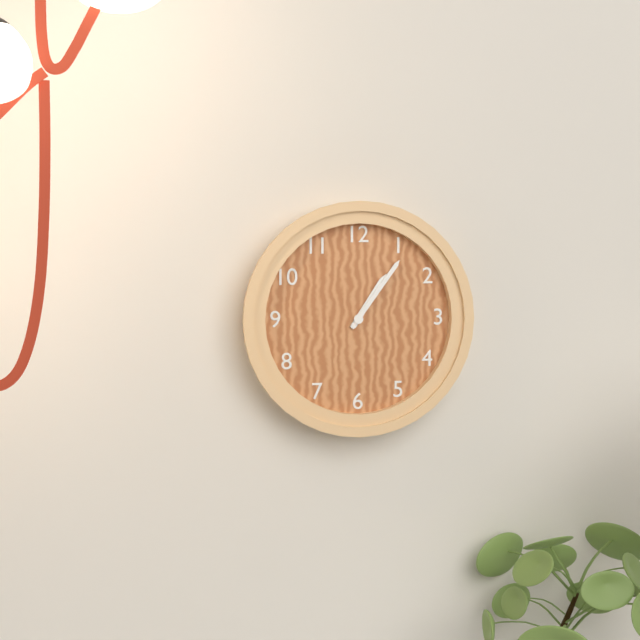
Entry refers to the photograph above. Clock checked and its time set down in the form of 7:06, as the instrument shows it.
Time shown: 1:06
